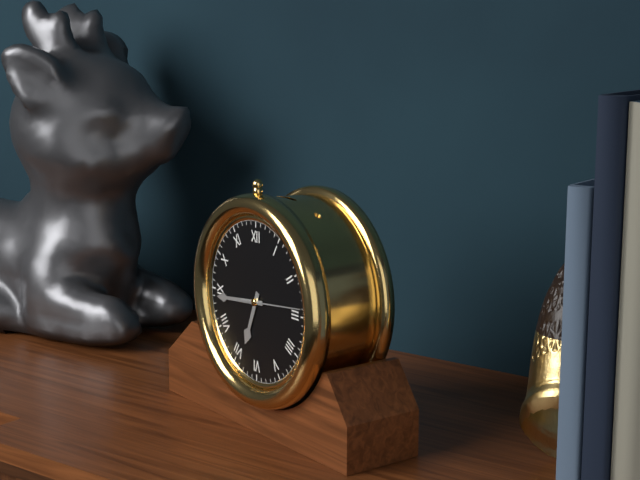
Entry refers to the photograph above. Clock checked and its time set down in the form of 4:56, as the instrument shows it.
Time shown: 6:44
